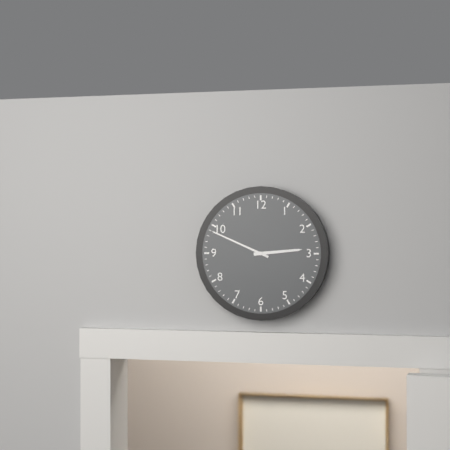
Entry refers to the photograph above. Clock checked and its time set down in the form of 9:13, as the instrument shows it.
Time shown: 2:49
